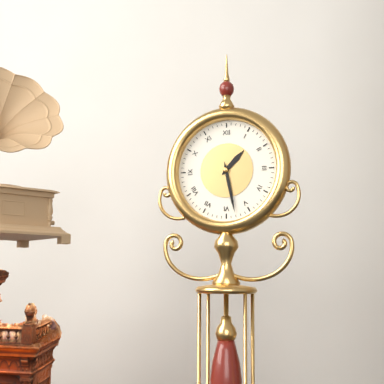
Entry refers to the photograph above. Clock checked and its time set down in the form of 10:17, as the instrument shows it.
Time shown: 1:28
